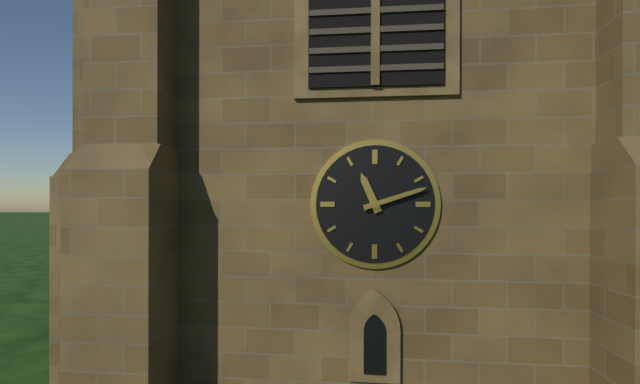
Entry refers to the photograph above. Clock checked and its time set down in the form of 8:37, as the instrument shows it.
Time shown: 11:12
